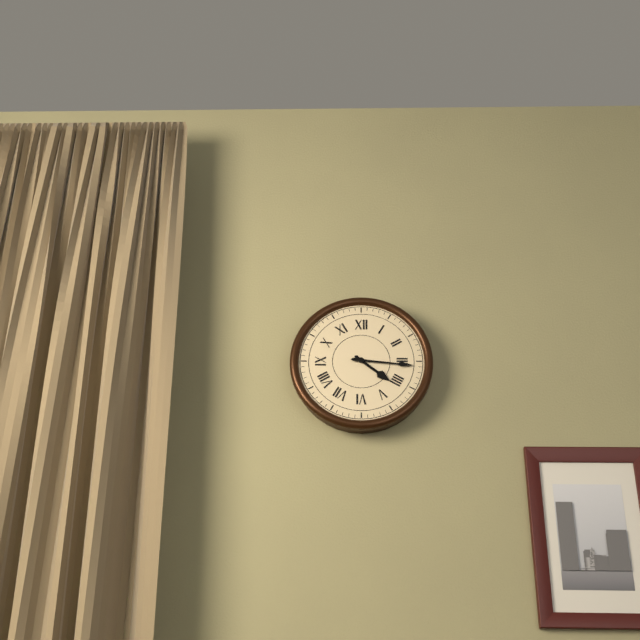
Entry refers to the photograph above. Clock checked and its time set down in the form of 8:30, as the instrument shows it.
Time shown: 4:16
